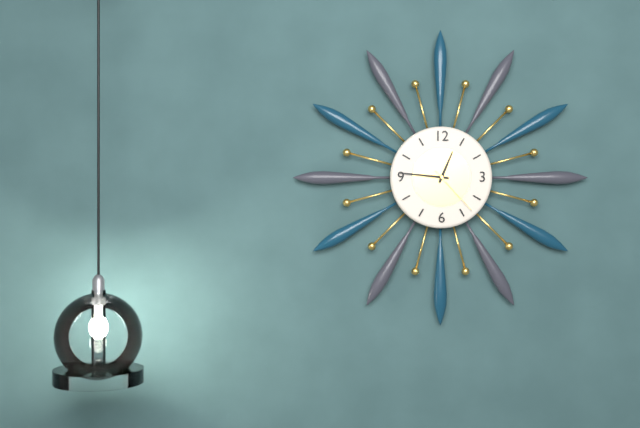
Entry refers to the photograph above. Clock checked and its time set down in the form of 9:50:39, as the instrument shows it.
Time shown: 12:46:23
